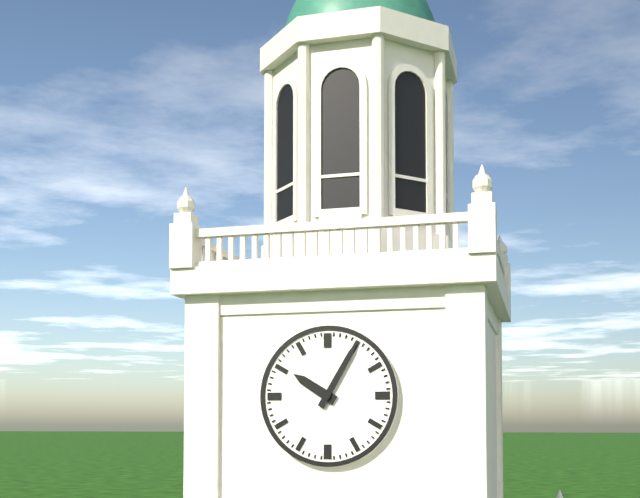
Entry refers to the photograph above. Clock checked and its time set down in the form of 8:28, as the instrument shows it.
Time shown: 10:05
